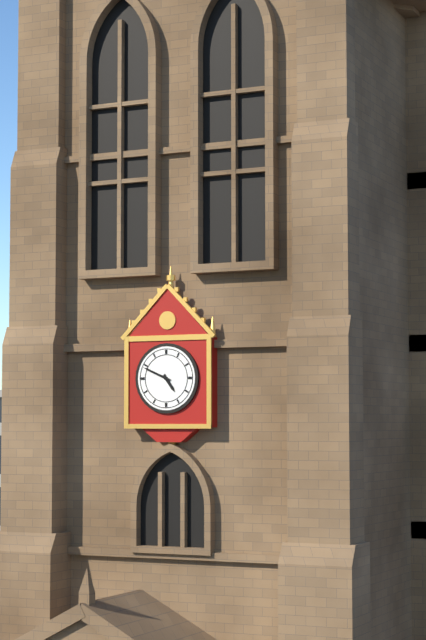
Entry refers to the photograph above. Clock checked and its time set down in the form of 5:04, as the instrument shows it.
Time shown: 4:49
